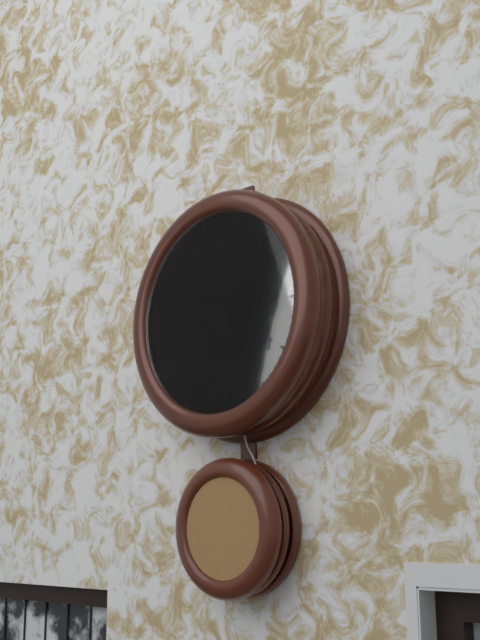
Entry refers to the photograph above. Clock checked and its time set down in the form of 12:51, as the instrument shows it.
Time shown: 4:06
